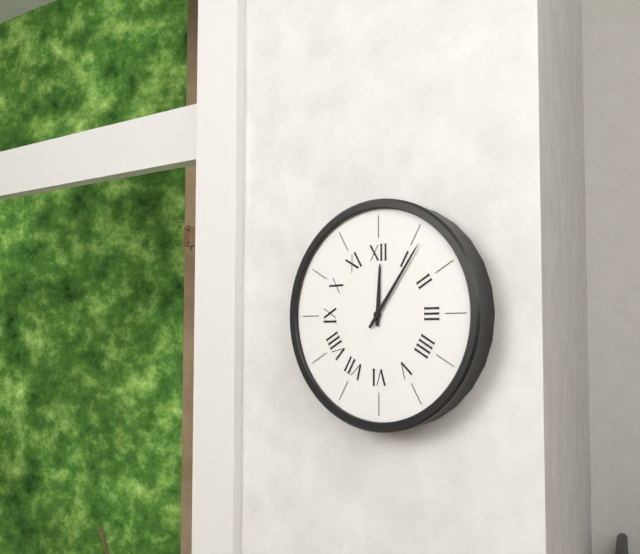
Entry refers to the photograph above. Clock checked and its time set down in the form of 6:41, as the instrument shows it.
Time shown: 12:06
